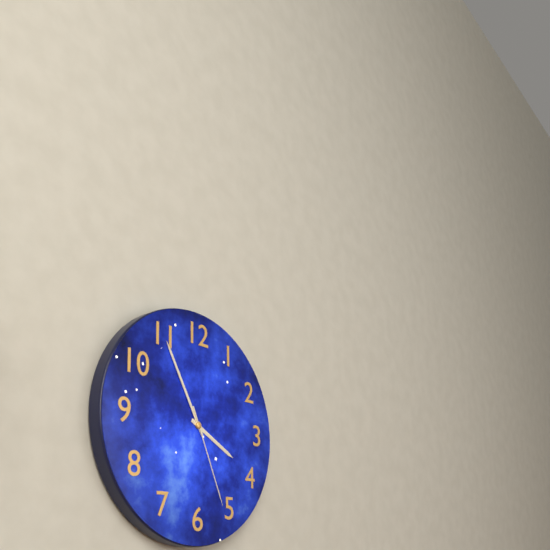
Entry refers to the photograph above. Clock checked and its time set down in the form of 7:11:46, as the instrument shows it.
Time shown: 3:55:26
